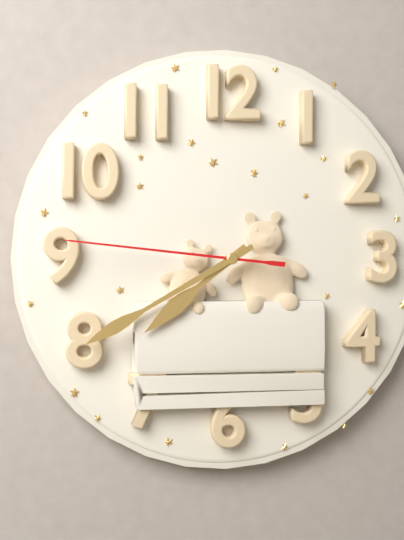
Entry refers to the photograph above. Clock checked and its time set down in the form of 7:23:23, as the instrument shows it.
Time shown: 7:40:46
